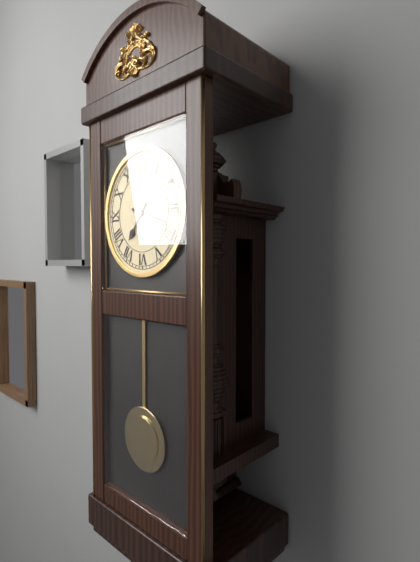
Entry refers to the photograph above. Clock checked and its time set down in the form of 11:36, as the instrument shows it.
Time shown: 7:18
